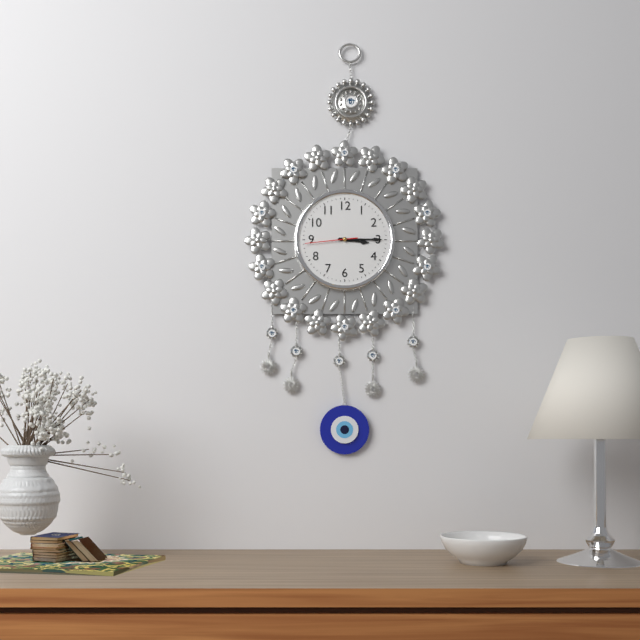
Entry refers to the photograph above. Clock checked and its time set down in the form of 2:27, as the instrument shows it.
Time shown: 3:15
